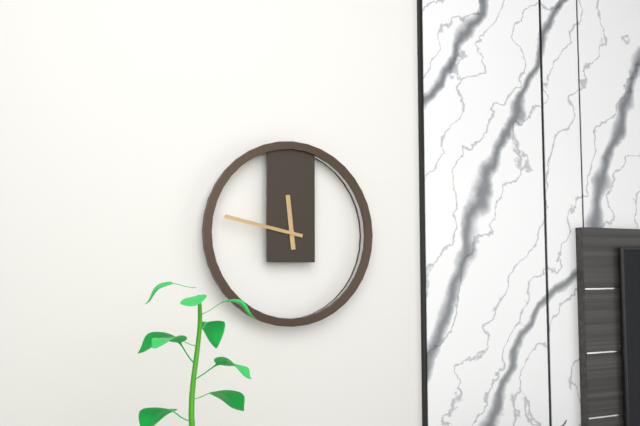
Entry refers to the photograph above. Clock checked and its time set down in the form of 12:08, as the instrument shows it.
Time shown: 11:47
